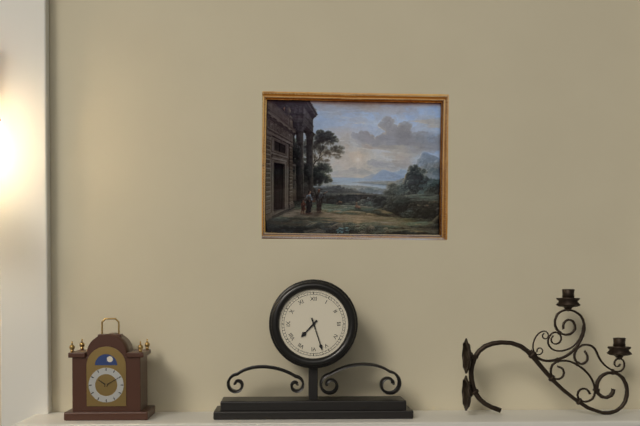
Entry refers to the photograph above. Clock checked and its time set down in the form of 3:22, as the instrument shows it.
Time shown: 7:27
